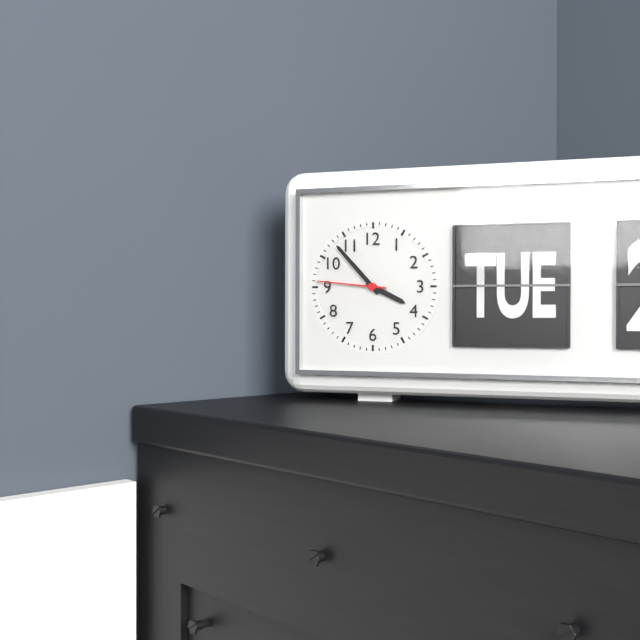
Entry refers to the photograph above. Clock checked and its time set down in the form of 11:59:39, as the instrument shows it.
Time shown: 3:53:46
